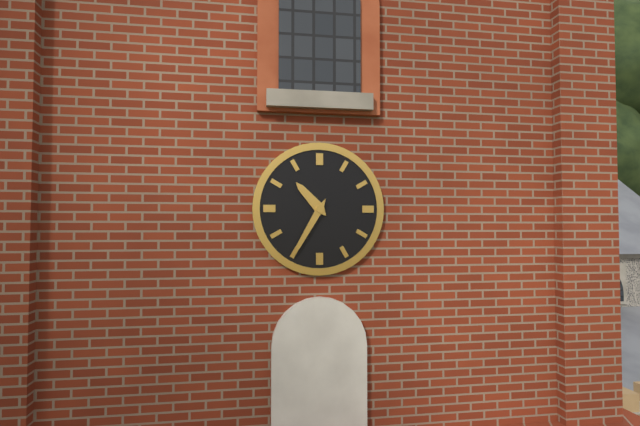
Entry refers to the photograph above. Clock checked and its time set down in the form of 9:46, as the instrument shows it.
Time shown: 10:35
